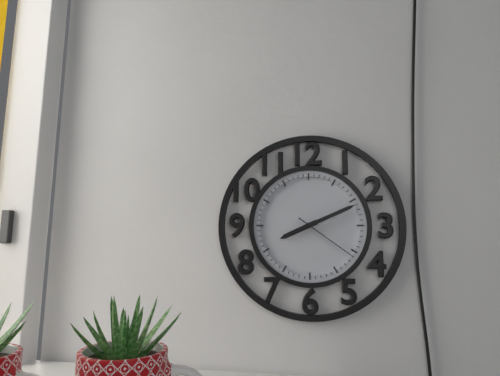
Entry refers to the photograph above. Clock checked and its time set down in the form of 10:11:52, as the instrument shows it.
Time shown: 8:11:21
